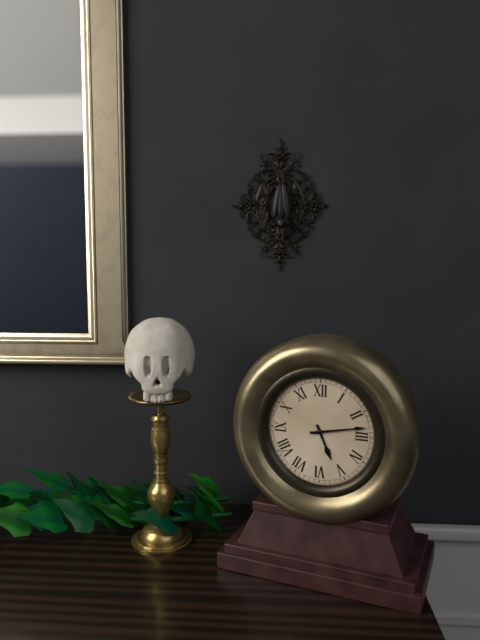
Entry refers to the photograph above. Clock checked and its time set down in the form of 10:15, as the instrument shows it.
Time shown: 5:13
